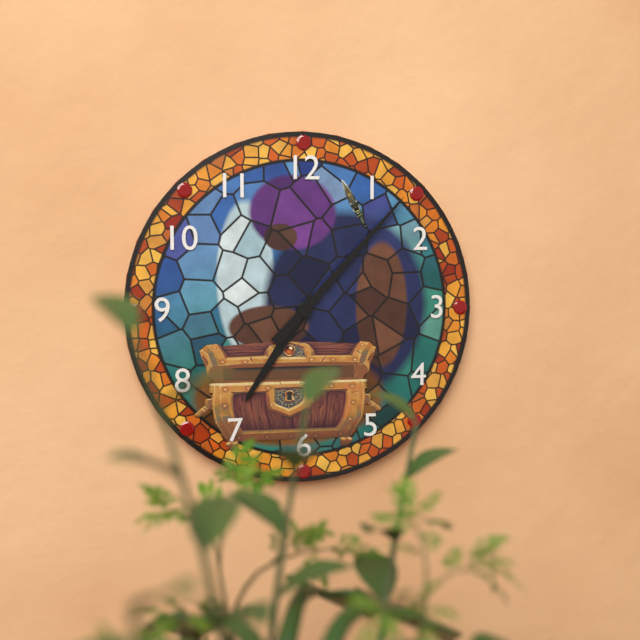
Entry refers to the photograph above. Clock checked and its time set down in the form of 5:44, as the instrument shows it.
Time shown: 7:07
